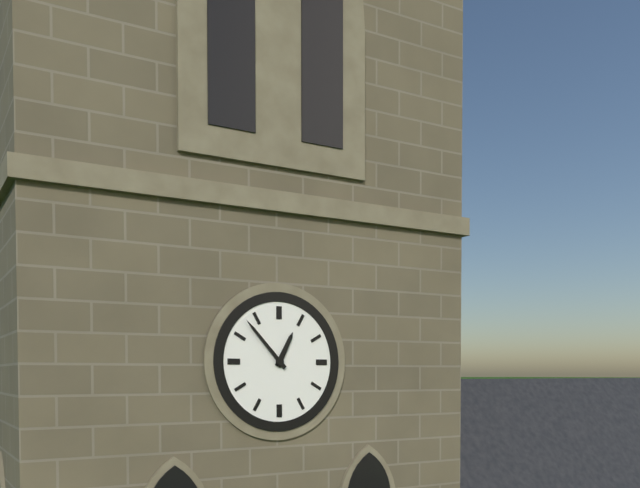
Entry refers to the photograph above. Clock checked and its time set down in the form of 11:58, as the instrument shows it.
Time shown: 12:53
